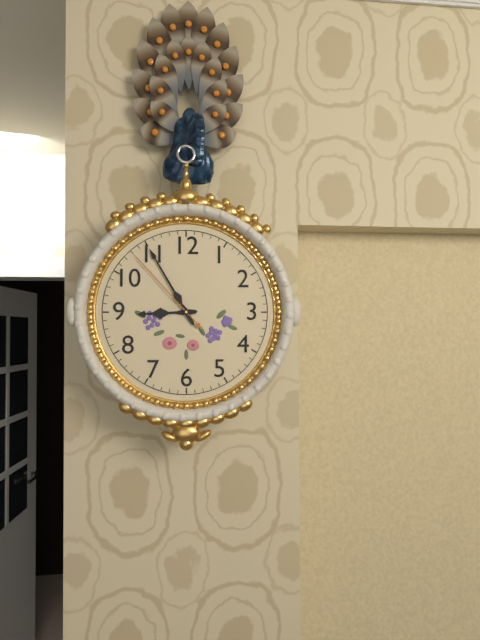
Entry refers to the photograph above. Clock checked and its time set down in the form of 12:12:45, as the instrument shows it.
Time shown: 8:55:53
